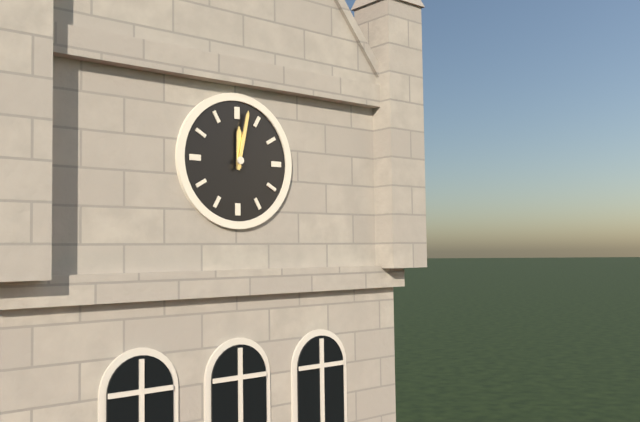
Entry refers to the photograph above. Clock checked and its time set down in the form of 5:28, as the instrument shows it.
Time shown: 12:02
